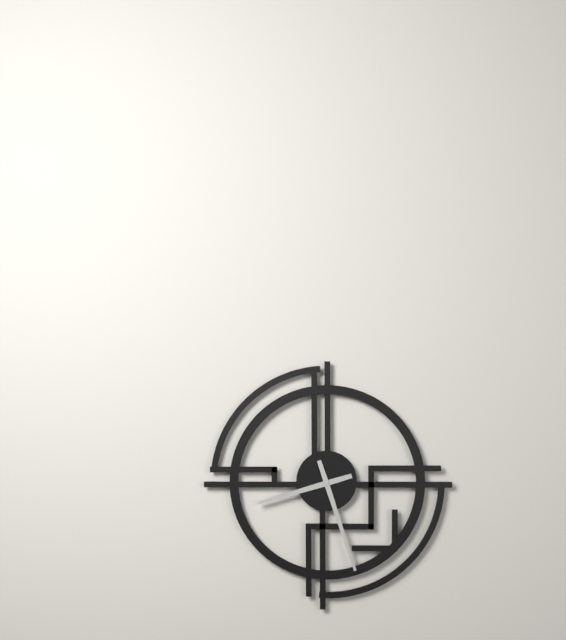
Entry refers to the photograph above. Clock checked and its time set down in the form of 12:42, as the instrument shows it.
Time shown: 8:27
